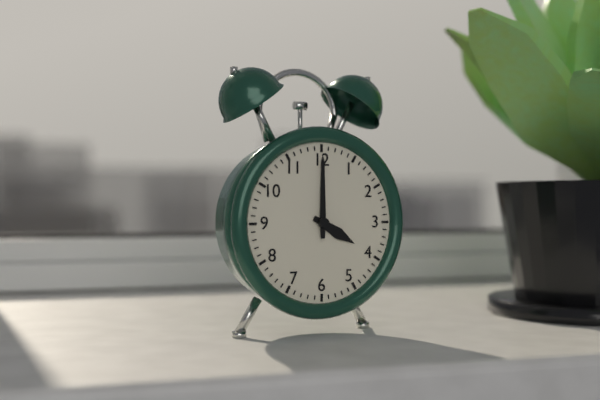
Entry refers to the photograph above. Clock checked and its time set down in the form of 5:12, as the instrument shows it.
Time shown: 4:00
